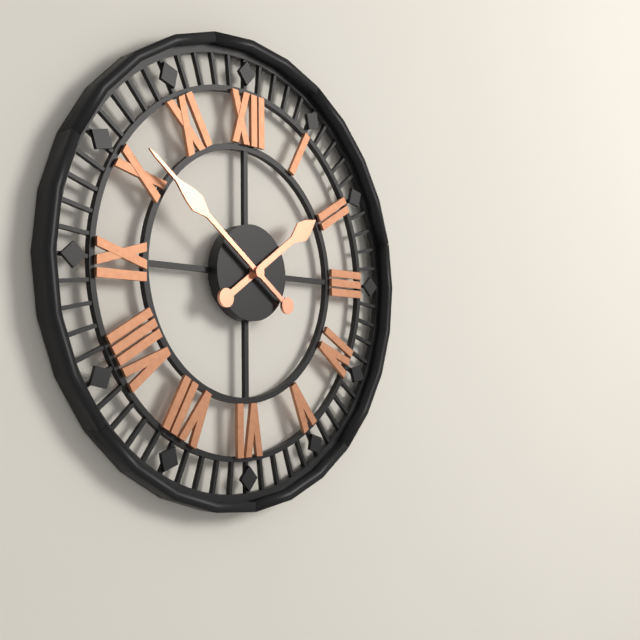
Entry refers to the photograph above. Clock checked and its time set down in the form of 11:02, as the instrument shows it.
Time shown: 1:51
